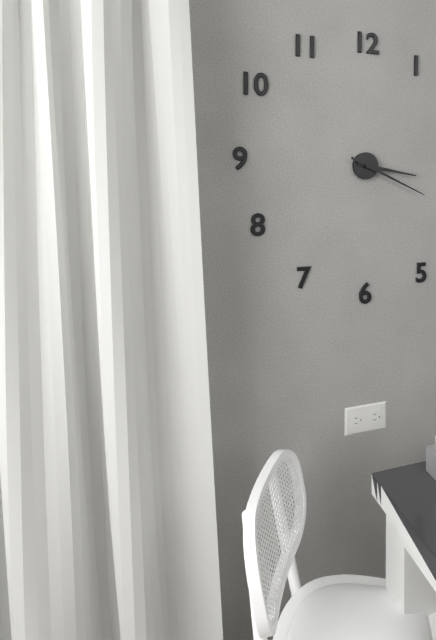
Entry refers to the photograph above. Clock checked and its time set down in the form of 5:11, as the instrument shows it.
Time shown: 3:19
